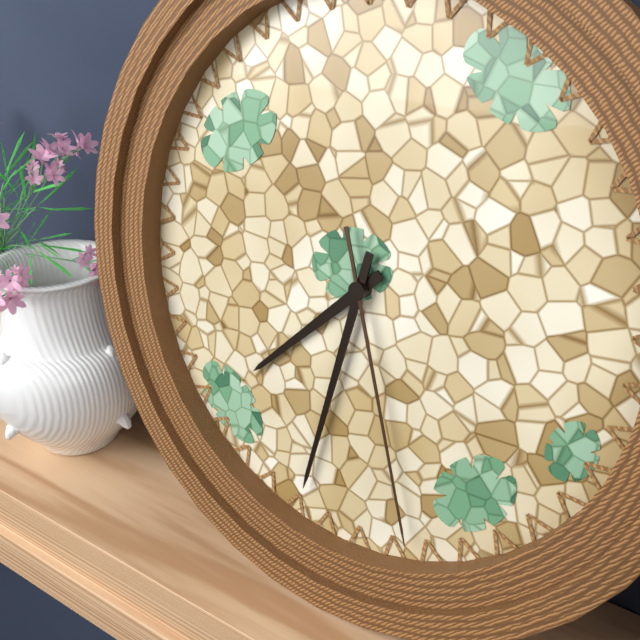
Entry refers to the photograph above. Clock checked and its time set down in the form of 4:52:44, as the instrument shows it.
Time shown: 7:32:27
